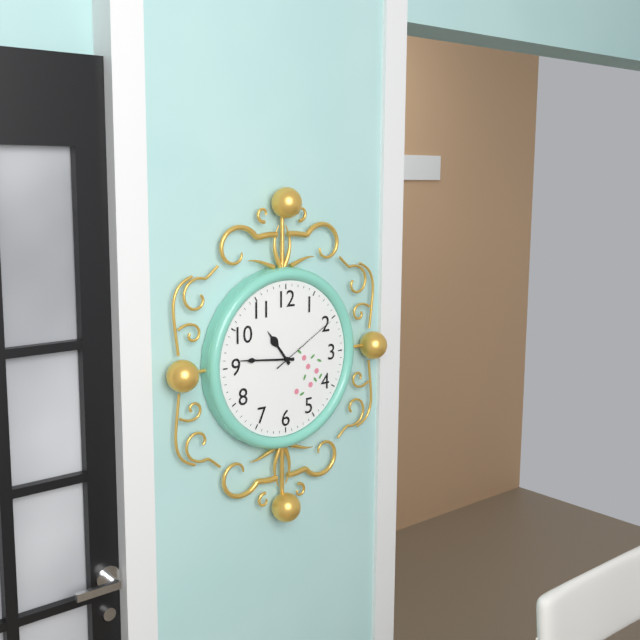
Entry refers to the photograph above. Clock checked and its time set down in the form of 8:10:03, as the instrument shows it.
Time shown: 10:46:10
